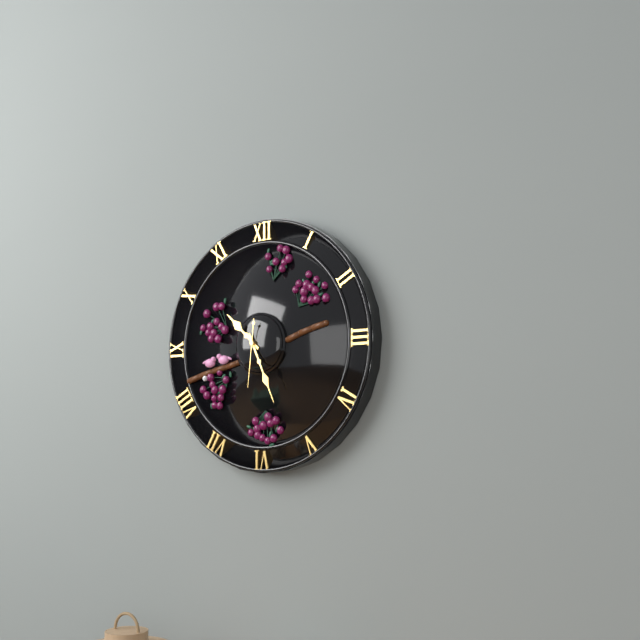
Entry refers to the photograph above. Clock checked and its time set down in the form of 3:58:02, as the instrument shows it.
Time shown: 10:26:31
